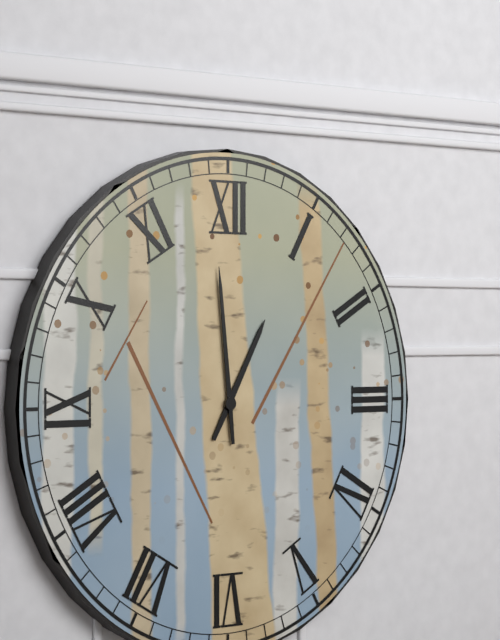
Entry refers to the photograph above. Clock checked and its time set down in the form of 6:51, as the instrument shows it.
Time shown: 12:59
